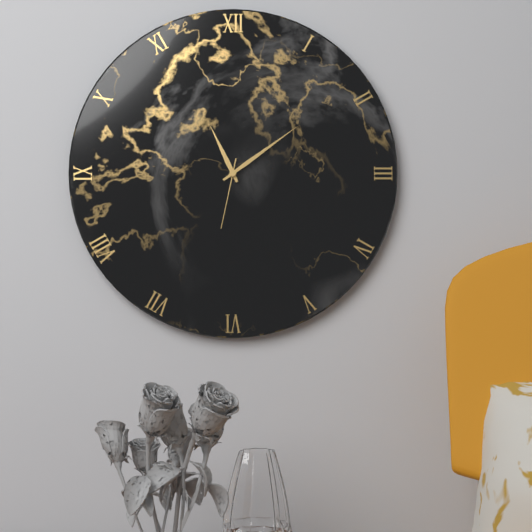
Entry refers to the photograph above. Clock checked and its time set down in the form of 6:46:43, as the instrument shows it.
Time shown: 11:09:32
